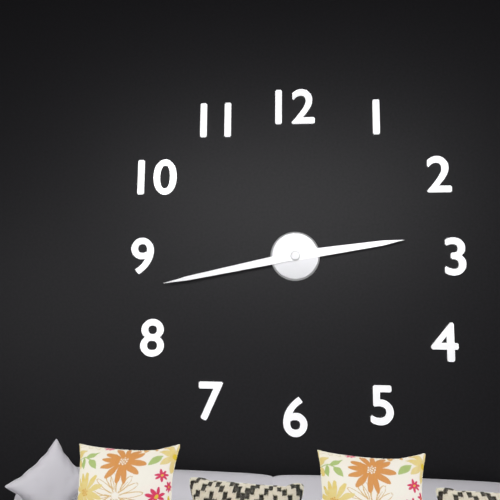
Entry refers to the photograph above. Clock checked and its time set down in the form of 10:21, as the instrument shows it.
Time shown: 2:43
